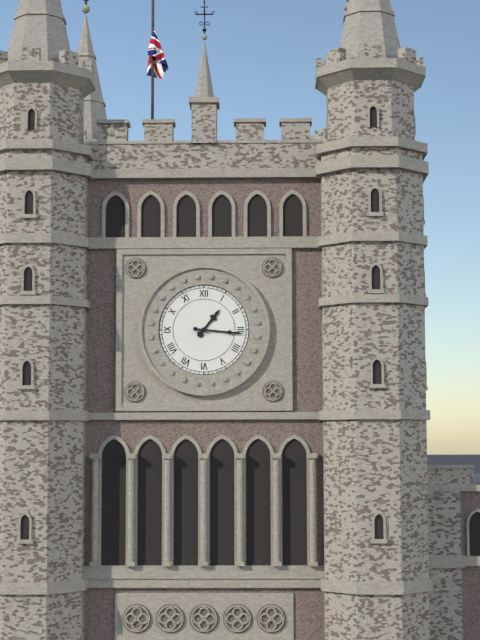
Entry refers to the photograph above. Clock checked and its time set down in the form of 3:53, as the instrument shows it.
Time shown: 1:16
